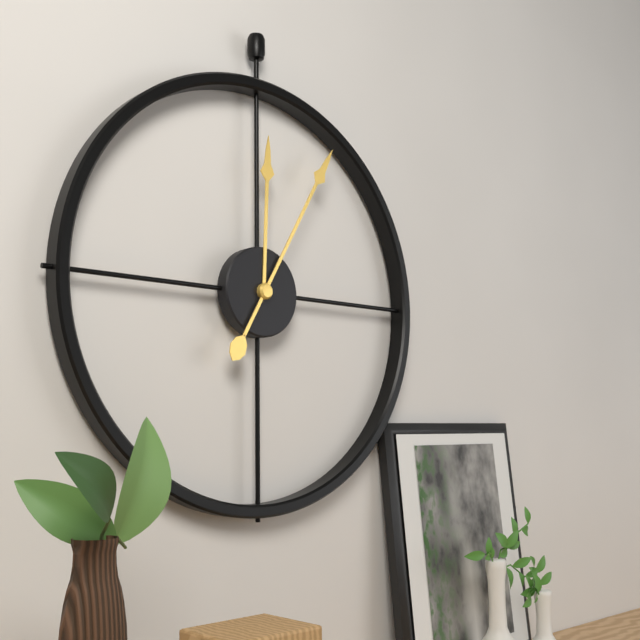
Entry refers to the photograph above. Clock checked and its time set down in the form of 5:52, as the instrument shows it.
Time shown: 12:05
